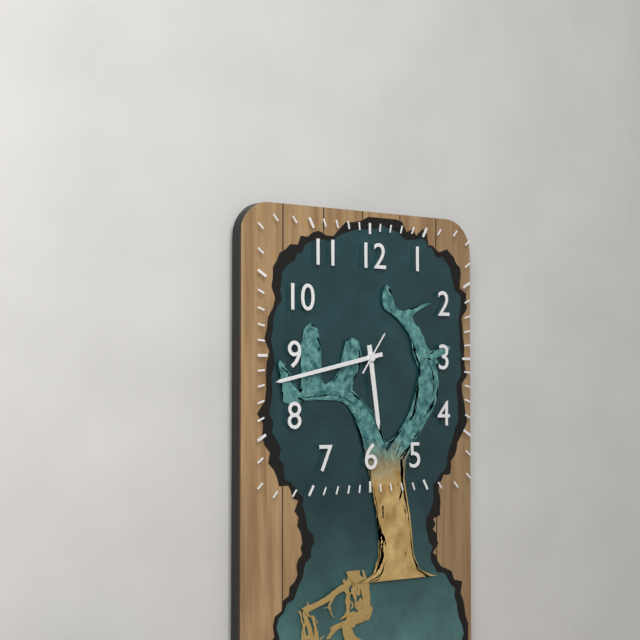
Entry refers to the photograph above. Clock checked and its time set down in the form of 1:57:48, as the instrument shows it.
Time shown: 5:43:06
